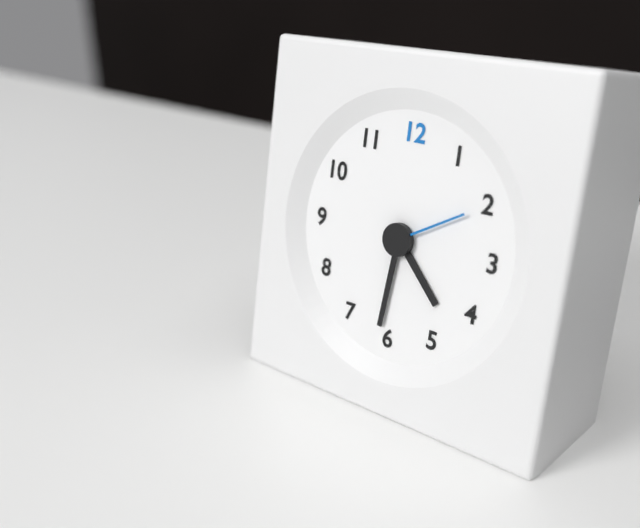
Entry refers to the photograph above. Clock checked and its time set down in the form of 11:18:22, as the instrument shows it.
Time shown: 4:31:10
